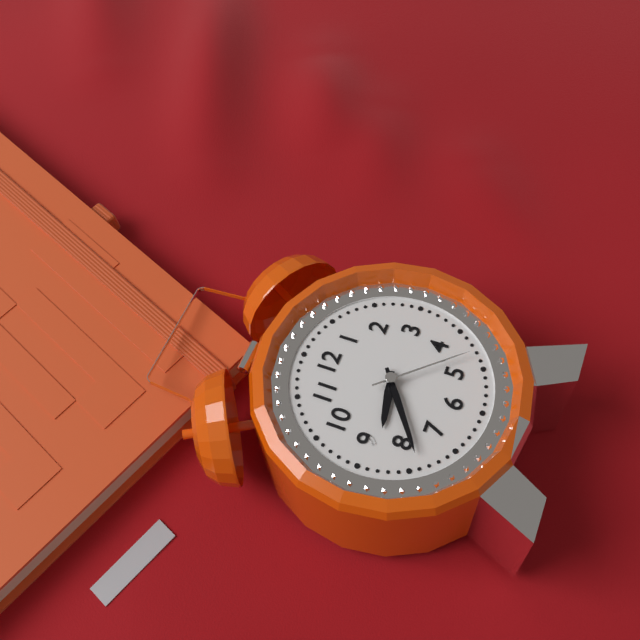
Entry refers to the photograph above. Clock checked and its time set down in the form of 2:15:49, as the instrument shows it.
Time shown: 8:39:23
